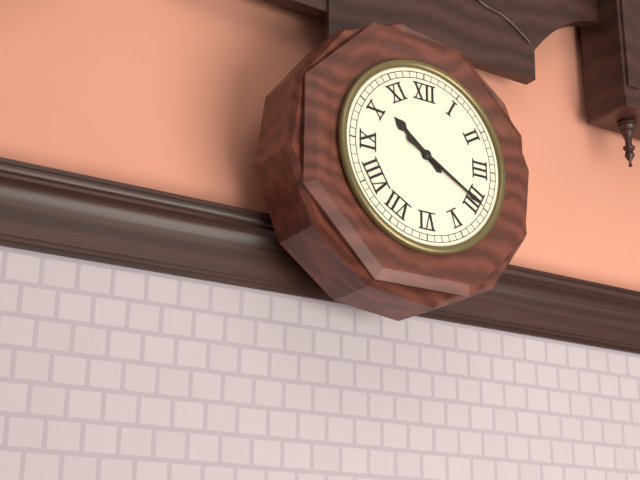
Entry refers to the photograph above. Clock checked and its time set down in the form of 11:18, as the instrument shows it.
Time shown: 10:20
